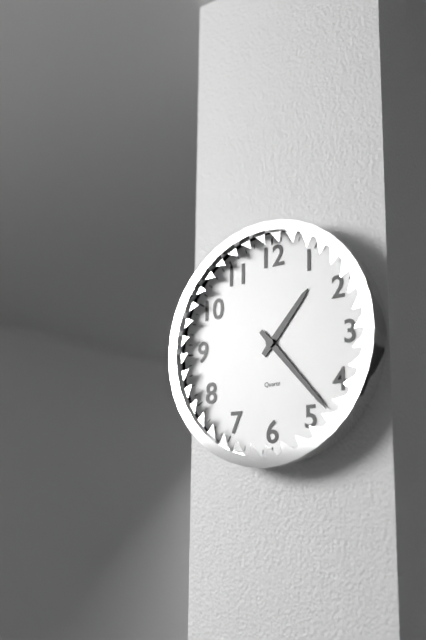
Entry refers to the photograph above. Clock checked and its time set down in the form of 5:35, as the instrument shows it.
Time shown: 1:23
